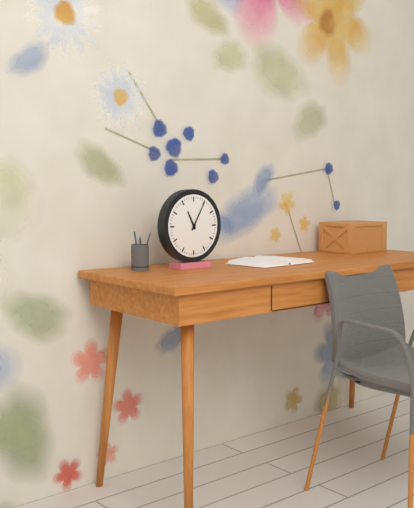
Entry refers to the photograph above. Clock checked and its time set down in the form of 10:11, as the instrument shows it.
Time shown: 11:05
